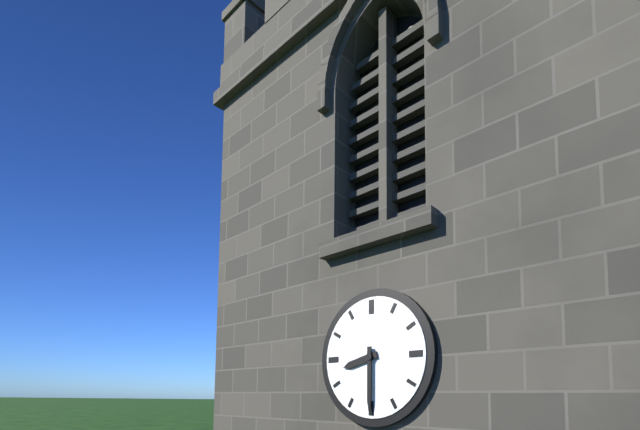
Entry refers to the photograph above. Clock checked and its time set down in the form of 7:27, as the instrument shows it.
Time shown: 8:30
